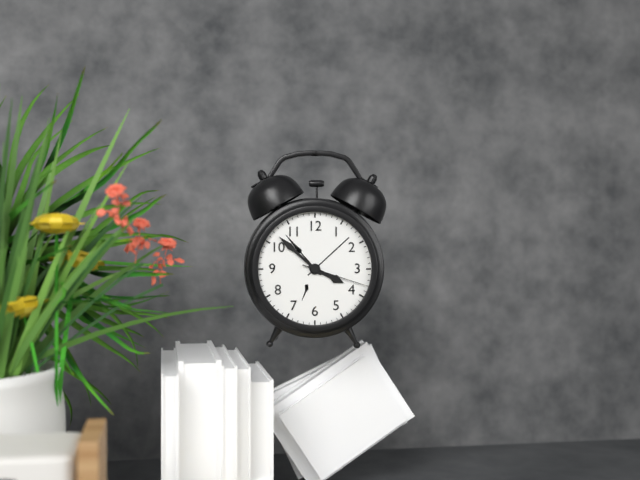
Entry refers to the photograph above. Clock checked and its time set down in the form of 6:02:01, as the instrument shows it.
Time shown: 3:52:18
